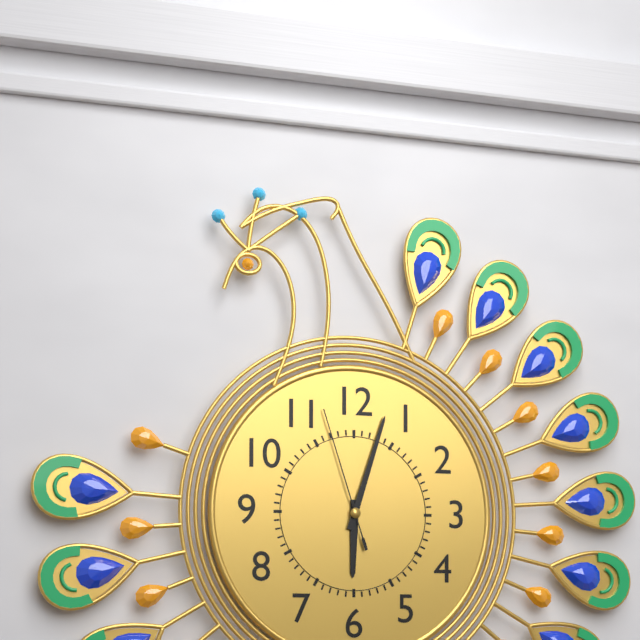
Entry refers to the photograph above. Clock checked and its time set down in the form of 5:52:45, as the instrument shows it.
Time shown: 6:03:57
